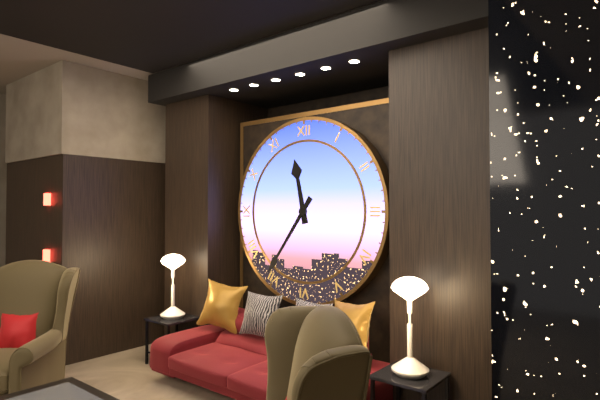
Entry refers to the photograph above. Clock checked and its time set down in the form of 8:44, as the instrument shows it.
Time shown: 11:36
